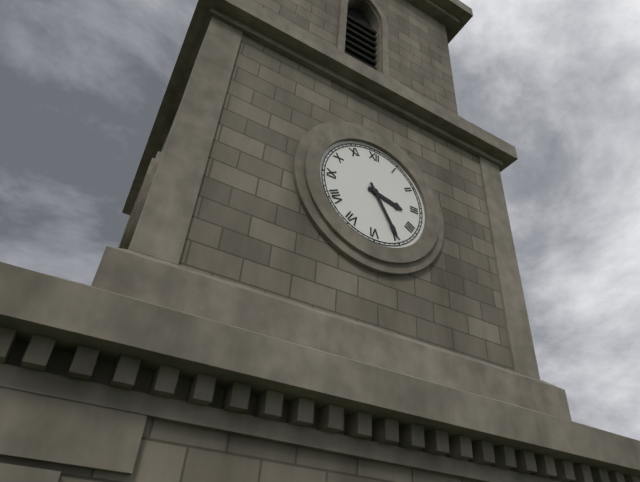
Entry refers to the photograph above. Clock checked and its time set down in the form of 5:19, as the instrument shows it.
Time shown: 3:25
